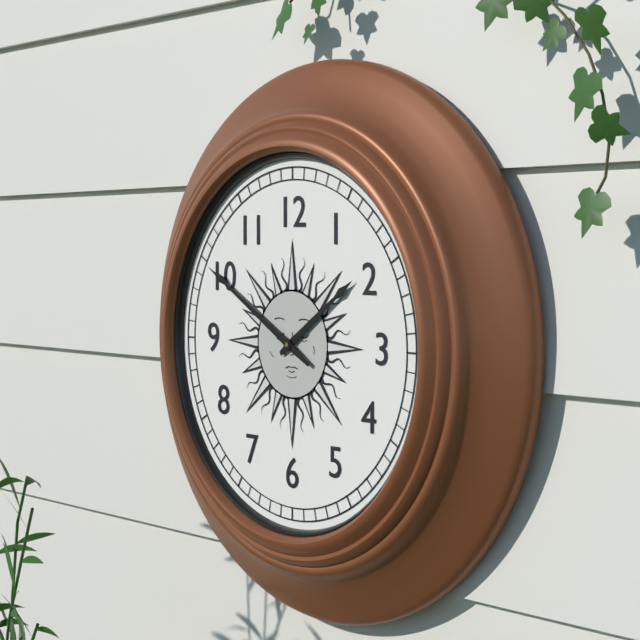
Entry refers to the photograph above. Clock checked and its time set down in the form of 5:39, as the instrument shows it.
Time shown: 1:50
